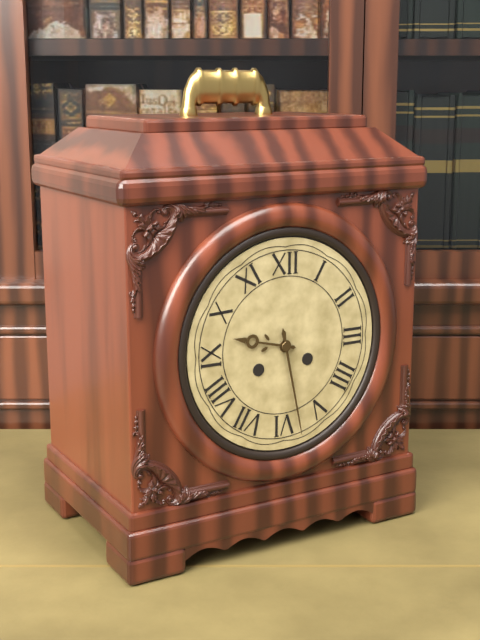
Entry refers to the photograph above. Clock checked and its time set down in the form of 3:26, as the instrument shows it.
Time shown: 9:28
